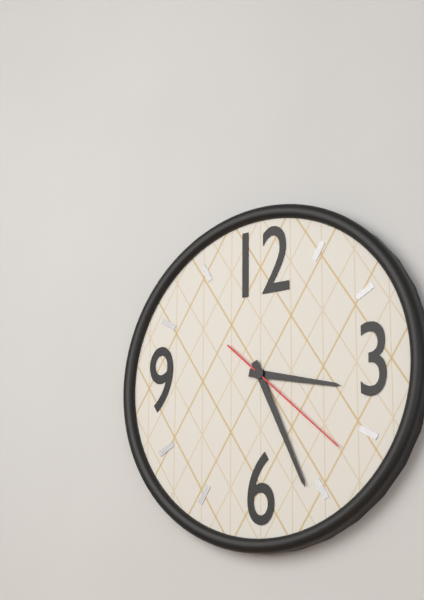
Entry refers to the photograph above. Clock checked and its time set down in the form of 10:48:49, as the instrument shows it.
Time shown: 3:26:22
